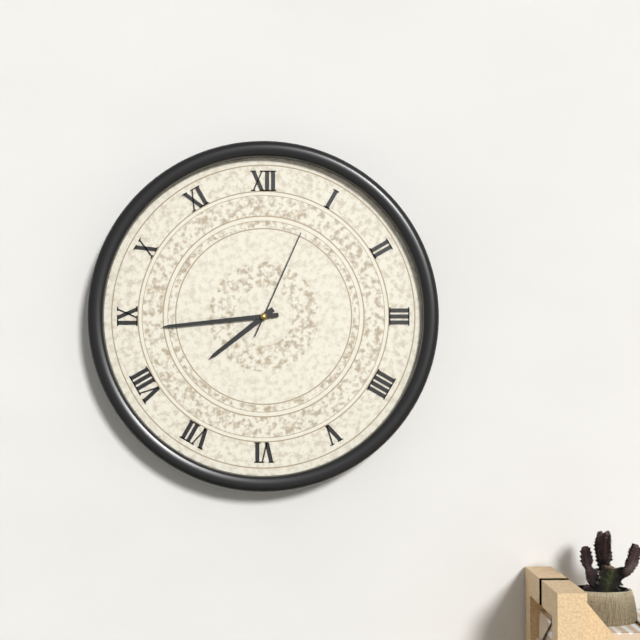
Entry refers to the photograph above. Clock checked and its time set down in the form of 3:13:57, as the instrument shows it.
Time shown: 7:44:04
